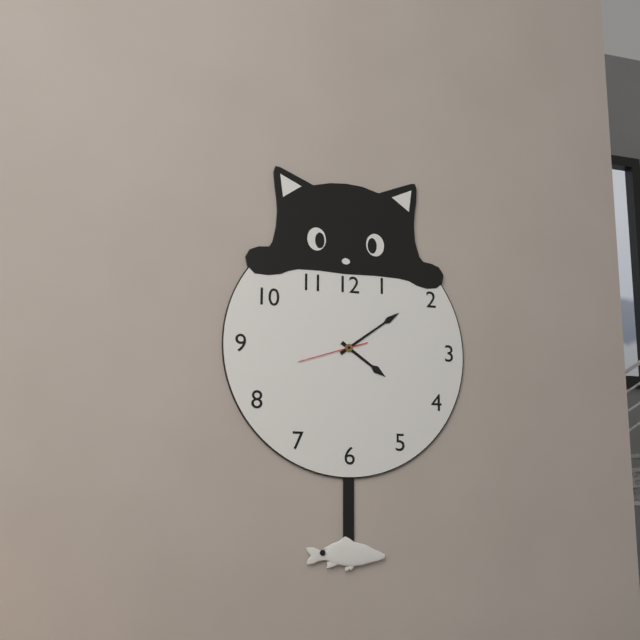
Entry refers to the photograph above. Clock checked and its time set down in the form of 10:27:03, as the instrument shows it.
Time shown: 4:09:42
